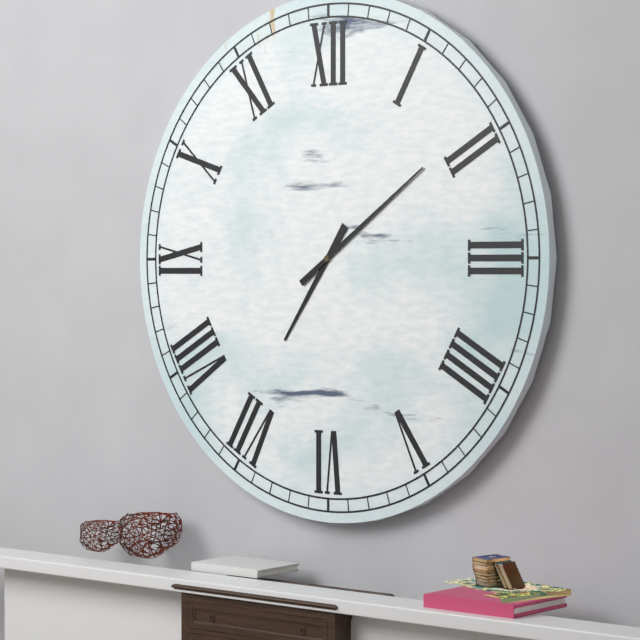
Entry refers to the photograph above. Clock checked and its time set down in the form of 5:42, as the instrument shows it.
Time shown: 7:09
